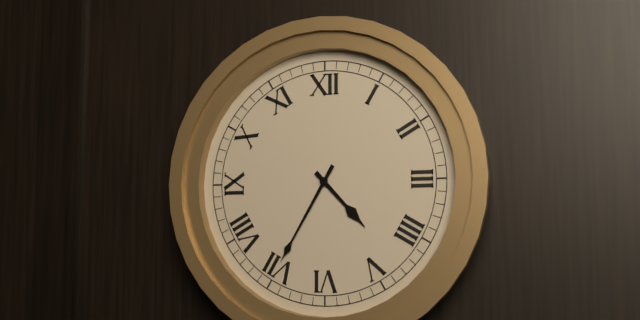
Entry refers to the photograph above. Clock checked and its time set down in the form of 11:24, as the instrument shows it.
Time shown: 4:35
